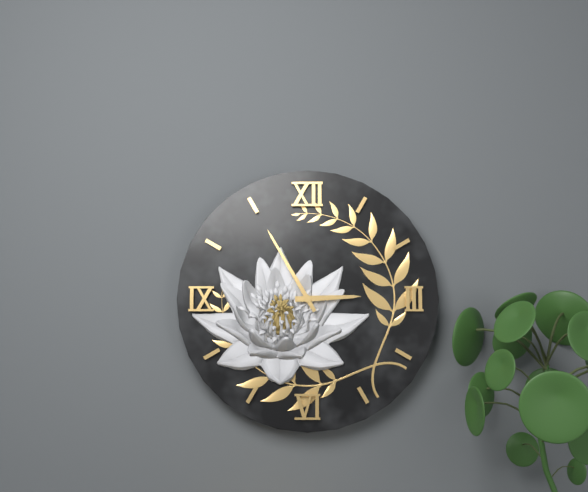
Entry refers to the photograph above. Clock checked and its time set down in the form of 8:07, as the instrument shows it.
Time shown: 2:55
